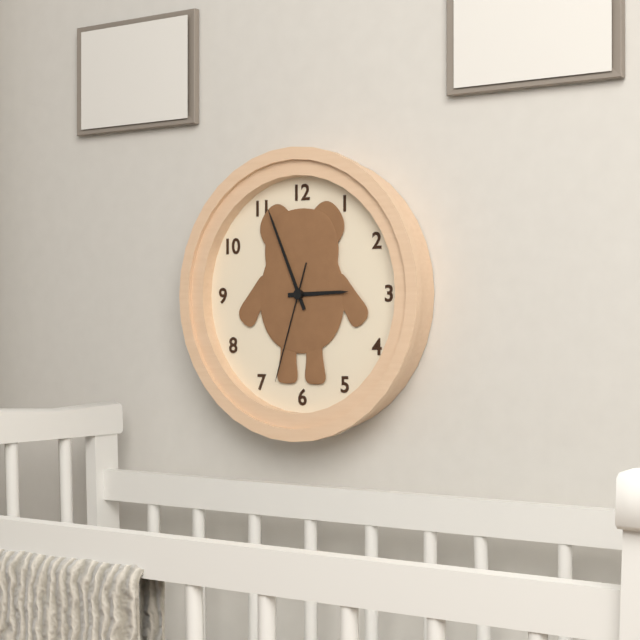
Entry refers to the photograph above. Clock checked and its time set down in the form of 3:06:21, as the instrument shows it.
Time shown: 2:56:33
